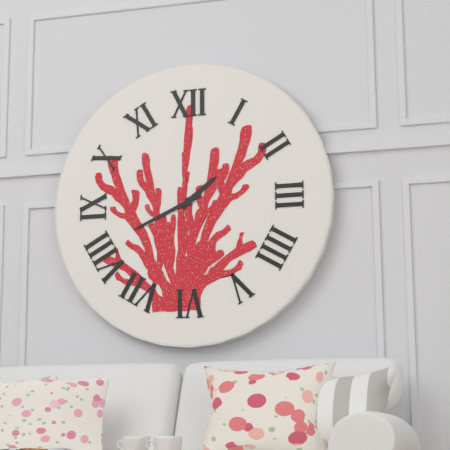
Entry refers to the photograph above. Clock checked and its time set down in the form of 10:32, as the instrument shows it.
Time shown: 1:41
